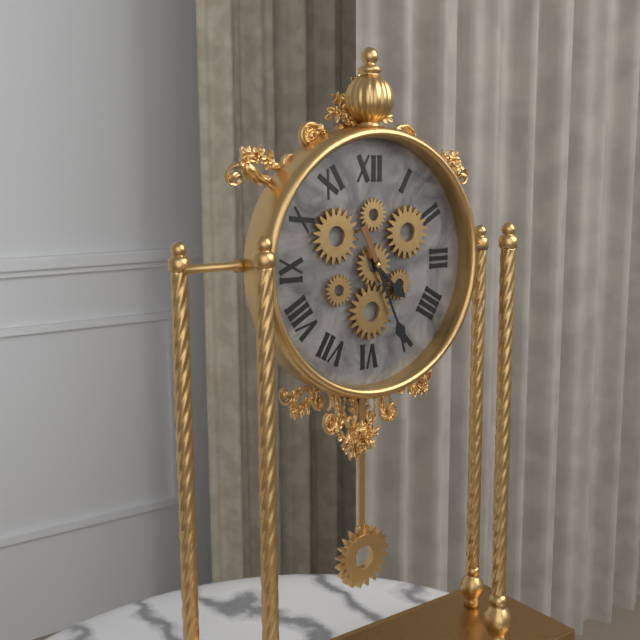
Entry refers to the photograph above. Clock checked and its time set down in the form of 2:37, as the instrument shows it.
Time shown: 4:26
